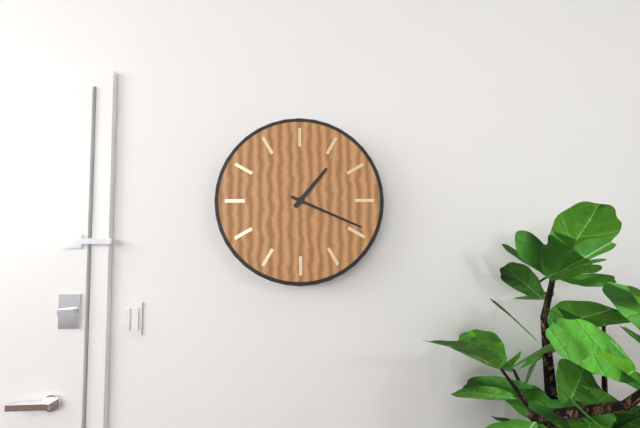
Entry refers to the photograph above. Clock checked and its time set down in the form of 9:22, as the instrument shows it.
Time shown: 1:19
